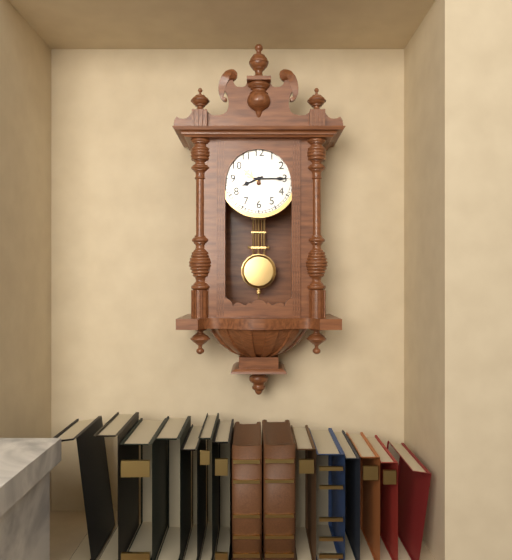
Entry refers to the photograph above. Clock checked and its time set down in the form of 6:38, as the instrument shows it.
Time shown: 8:15
